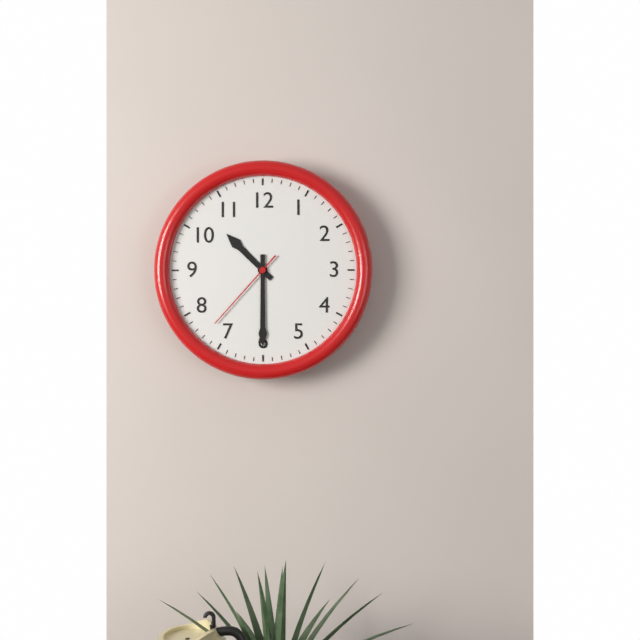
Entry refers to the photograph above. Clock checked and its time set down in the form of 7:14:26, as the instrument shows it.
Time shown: 10:30:37
